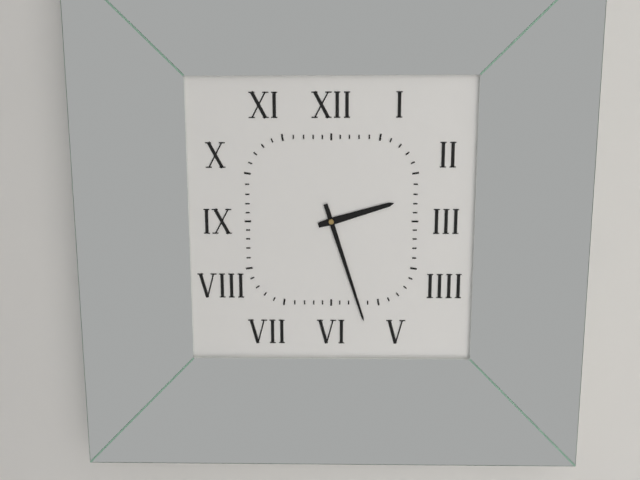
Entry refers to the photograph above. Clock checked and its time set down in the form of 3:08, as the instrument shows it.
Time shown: 2:27
